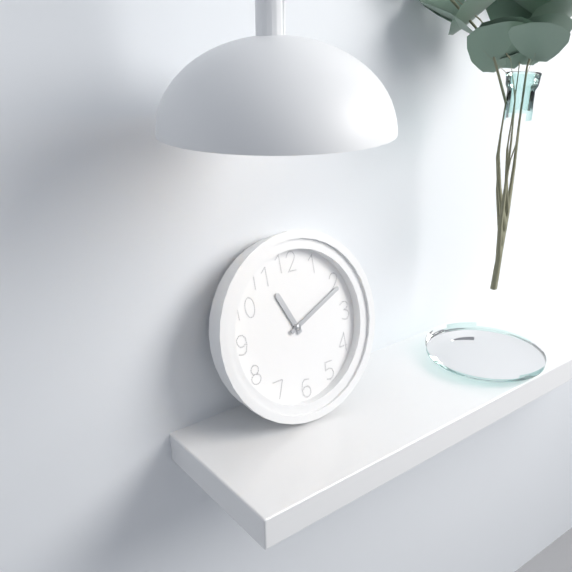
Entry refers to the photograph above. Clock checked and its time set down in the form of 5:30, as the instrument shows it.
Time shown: 11:11
